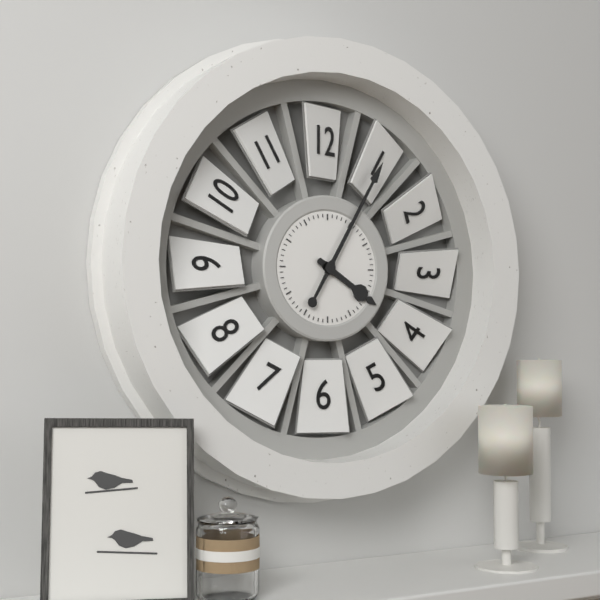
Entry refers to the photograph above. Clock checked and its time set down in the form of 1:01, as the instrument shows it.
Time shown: 4:05
